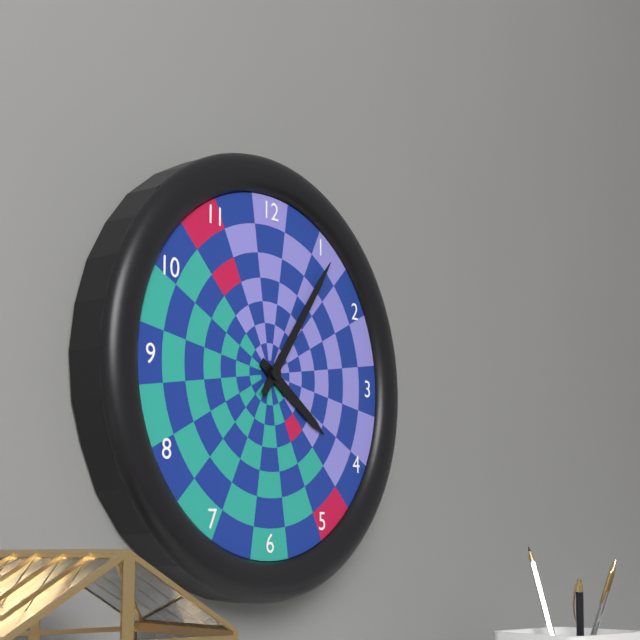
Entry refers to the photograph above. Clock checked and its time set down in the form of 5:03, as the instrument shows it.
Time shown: 4:06
